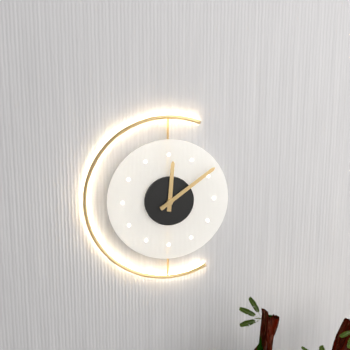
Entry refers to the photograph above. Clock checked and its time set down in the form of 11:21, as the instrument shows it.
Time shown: 12:09
